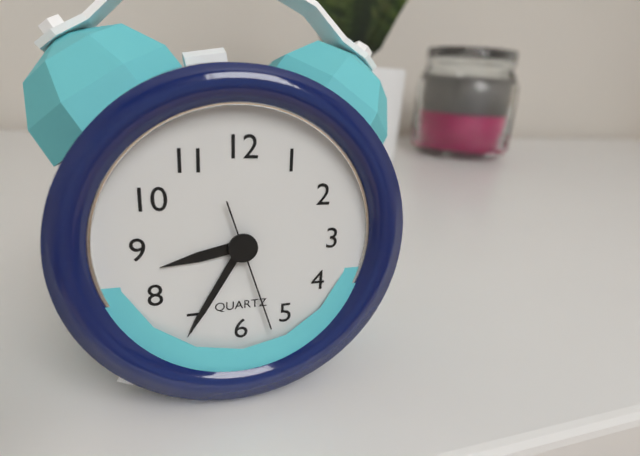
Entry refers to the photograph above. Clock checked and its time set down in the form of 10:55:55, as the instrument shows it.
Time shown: 8:35:27
